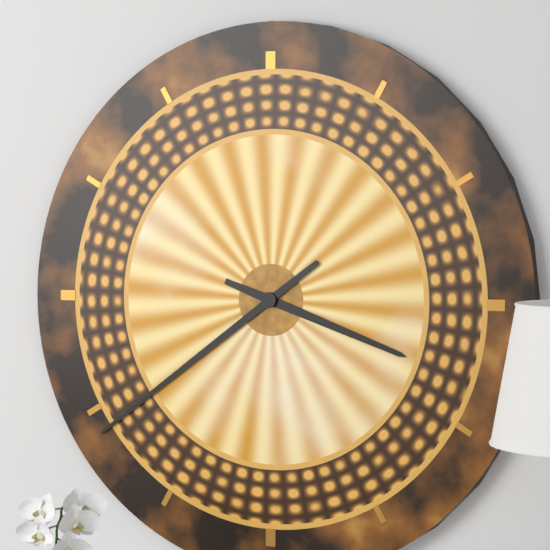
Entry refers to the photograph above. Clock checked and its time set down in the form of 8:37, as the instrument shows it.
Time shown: 3:39
